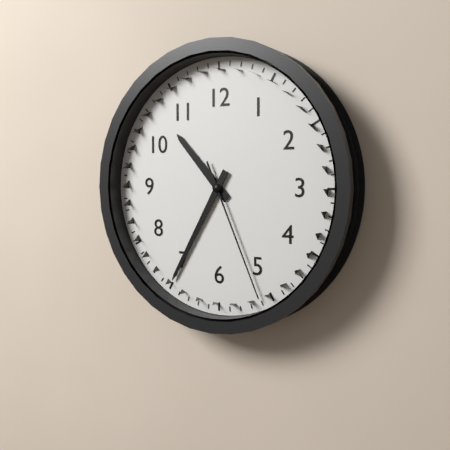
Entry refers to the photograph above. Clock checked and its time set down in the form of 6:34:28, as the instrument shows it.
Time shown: 10:35:26
